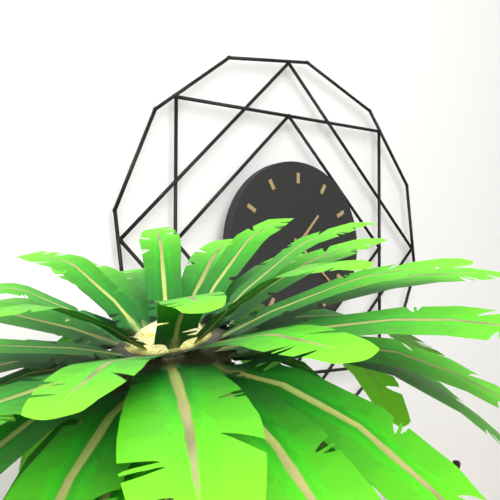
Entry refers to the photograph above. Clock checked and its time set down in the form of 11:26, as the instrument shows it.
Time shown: 1:22
